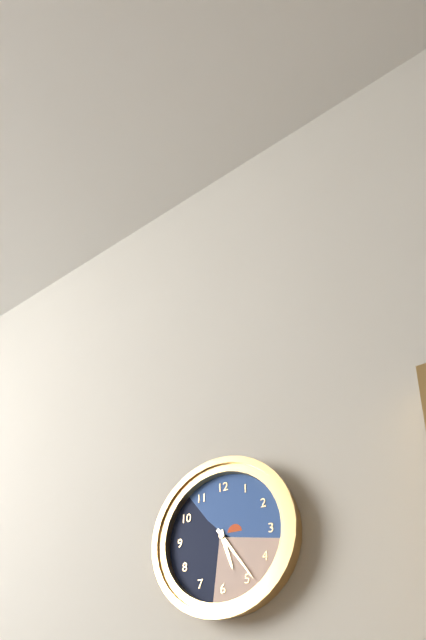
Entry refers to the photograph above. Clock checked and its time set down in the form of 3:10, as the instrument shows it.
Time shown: 5:24
